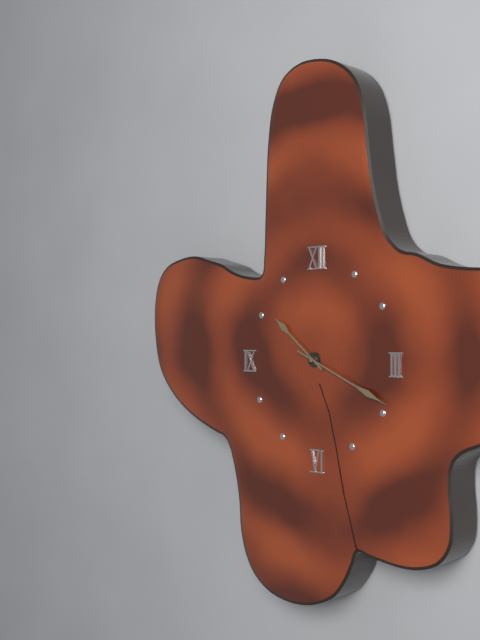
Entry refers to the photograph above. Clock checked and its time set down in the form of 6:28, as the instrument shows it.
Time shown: 10:19
